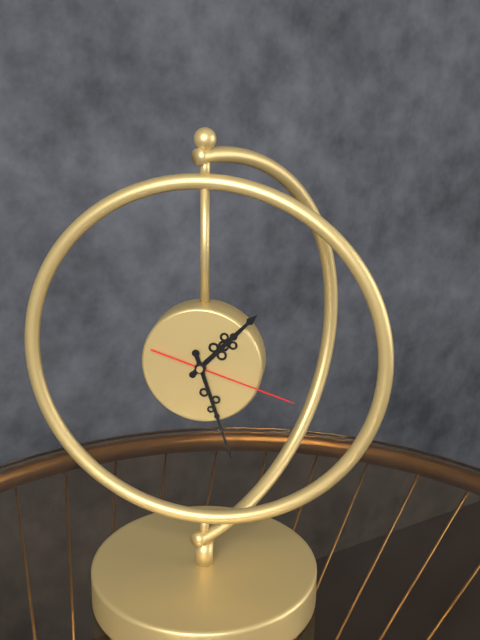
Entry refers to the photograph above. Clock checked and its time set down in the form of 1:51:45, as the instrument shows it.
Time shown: 1:27:18
